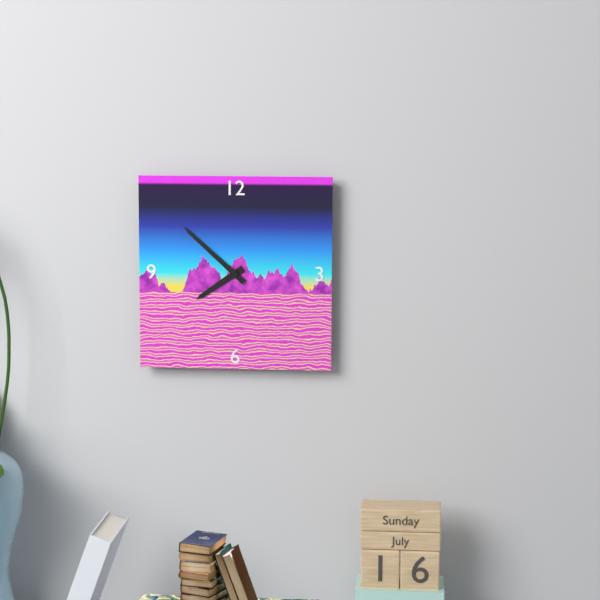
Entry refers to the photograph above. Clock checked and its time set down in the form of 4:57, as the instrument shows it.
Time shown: 7:52
